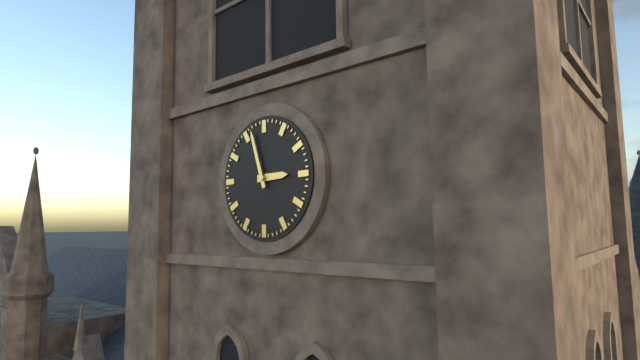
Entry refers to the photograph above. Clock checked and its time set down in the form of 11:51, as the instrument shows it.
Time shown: 2:57
